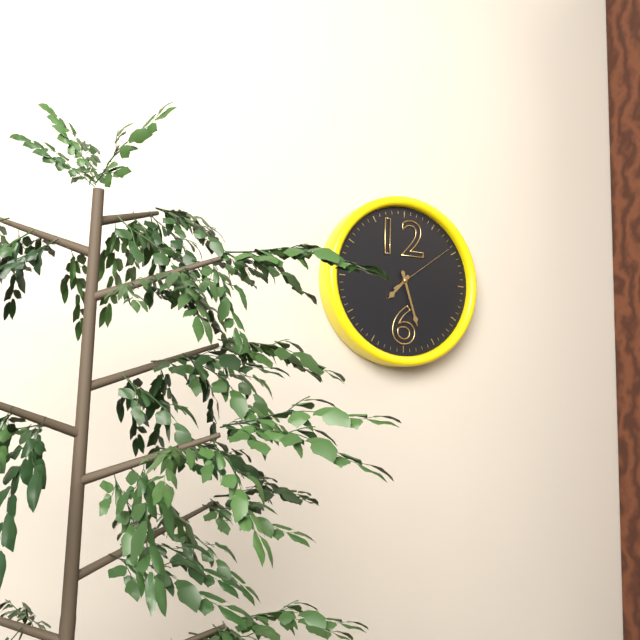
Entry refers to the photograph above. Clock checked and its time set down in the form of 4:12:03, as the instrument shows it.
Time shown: 7:27:09
